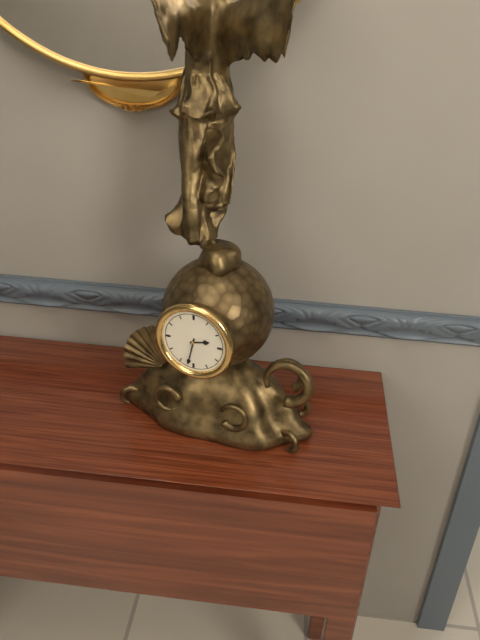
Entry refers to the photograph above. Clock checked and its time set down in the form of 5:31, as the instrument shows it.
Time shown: 2:32
